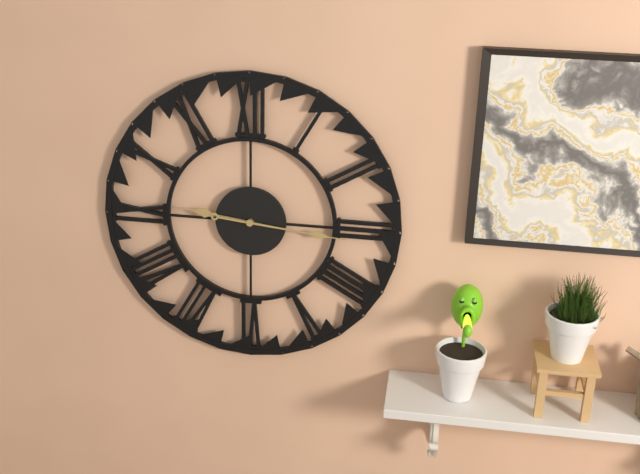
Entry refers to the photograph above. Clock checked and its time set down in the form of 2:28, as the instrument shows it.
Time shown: 9:16
